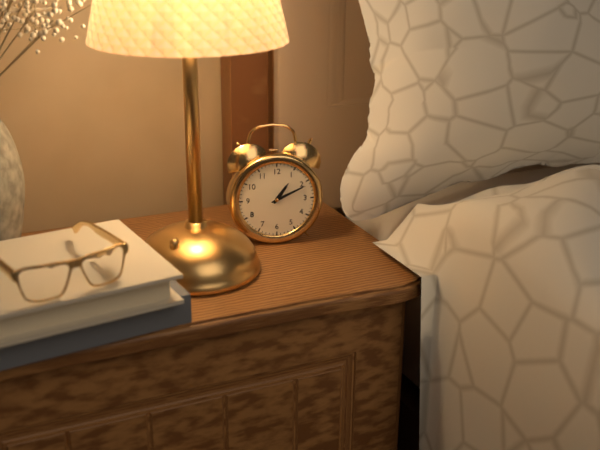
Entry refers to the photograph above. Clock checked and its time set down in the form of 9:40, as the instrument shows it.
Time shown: 1:11
